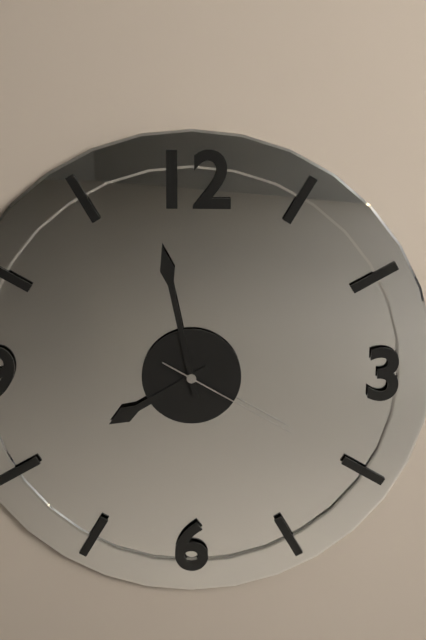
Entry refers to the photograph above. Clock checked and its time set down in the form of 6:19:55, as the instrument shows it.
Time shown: 7:58:20
